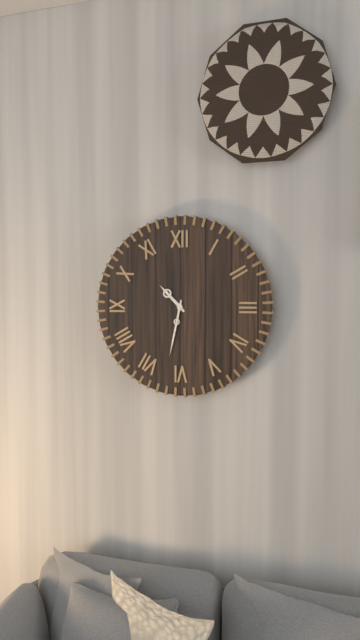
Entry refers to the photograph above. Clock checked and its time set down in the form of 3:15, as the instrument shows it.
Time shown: 10:32
